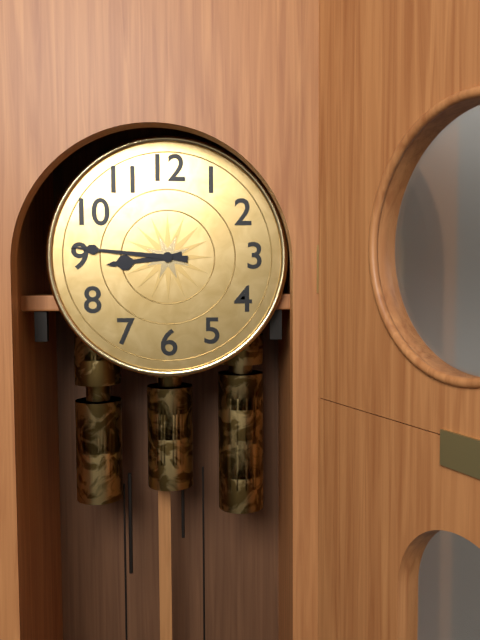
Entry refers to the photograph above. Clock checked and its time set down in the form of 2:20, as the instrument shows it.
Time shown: 8:46
